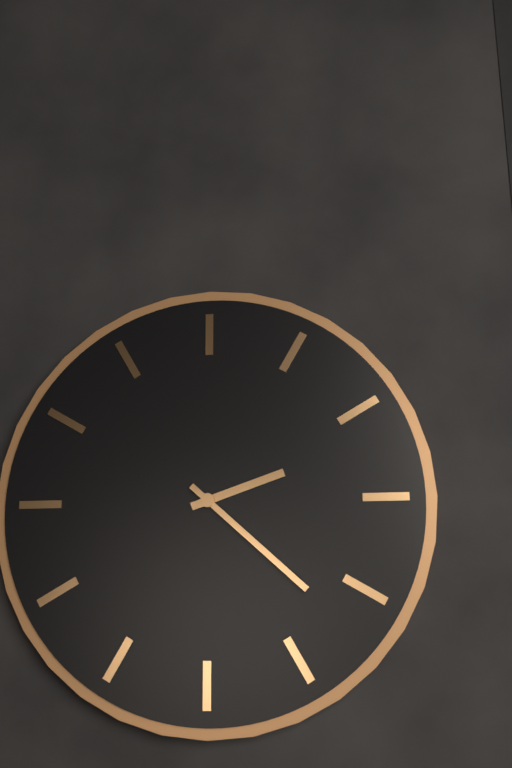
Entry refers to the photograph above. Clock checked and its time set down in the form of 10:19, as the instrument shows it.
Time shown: 2:22
